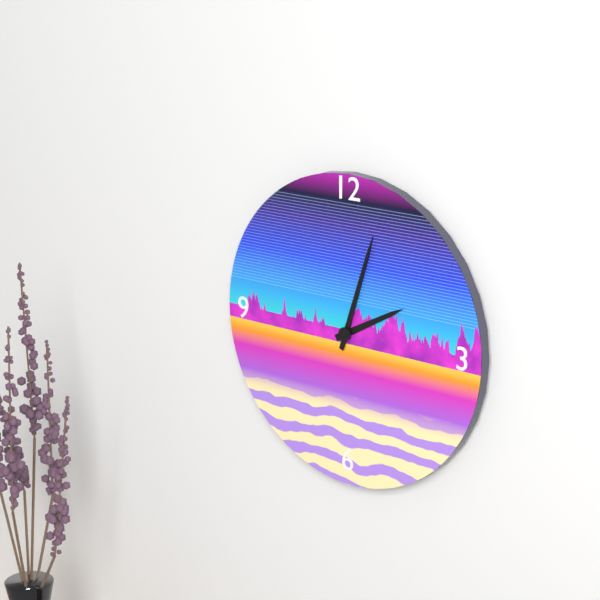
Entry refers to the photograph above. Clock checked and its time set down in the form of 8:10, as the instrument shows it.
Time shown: 2:03
